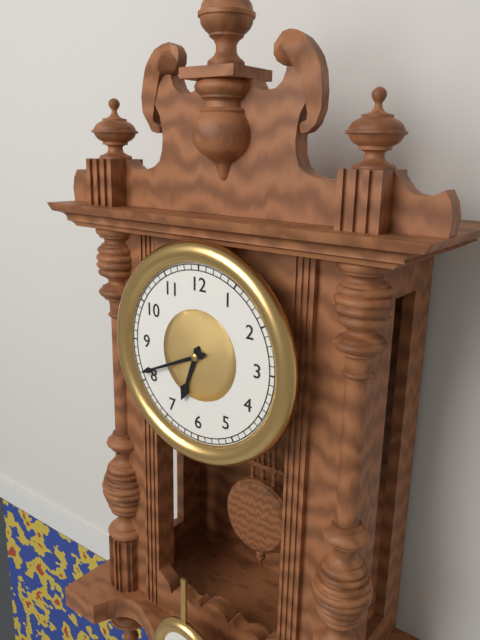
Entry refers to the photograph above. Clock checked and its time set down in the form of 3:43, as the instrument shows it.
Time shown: 6:41
